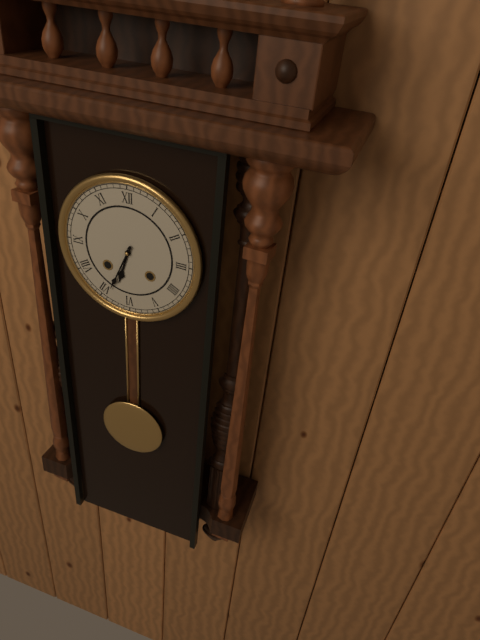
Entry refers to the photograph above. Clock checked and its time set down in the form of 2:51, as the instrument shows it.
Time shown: 6:34
